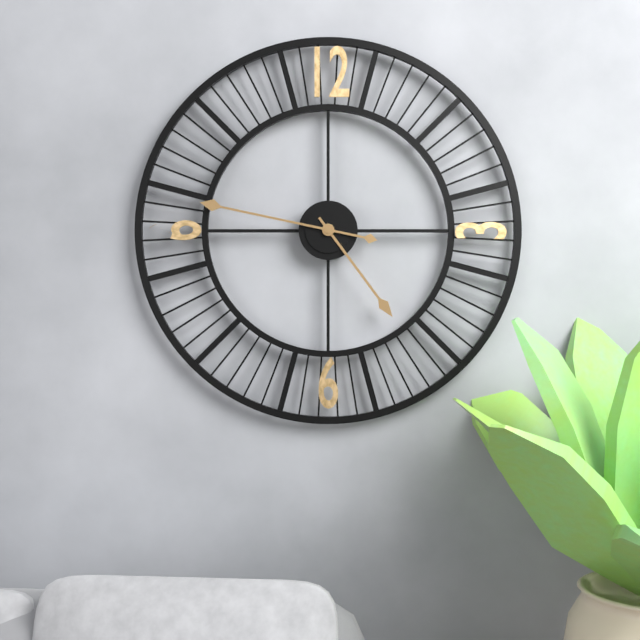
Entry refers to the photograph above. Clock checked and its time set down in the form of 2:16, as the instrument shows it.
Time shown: 4:47
